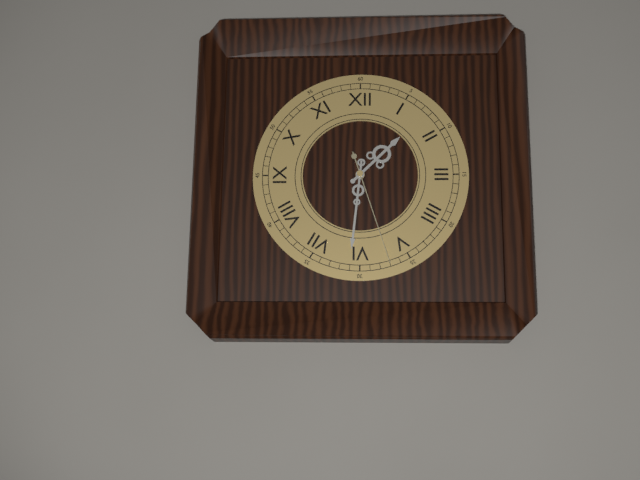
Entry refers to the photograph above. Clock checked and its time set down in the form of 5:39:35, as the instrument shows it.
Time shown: 1:31:27
